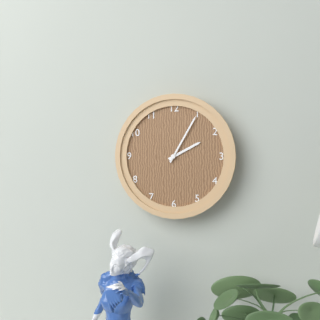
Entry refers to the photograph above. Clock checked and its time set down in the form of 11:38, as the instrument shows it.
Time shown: 2:05
